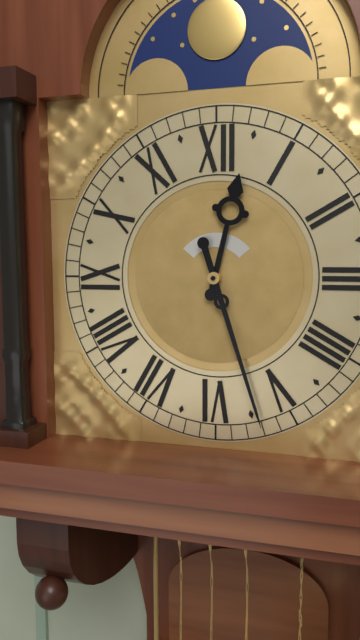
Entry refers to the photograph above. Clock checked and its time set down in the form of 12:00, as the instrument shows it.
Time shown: 12:27
